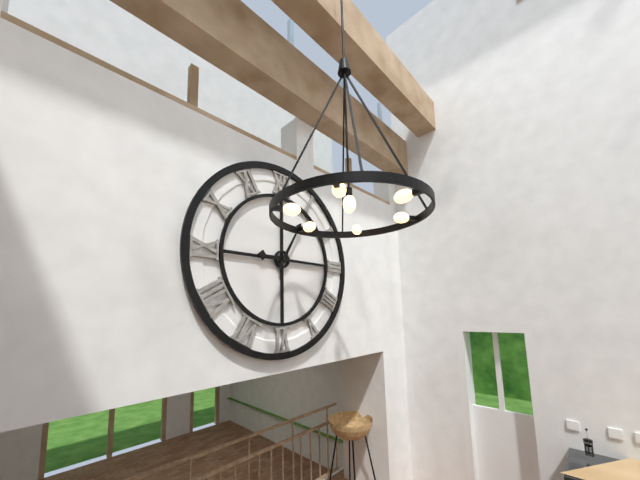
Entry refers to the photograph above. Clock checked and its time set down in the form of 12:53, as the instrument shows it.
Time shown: 9:05
